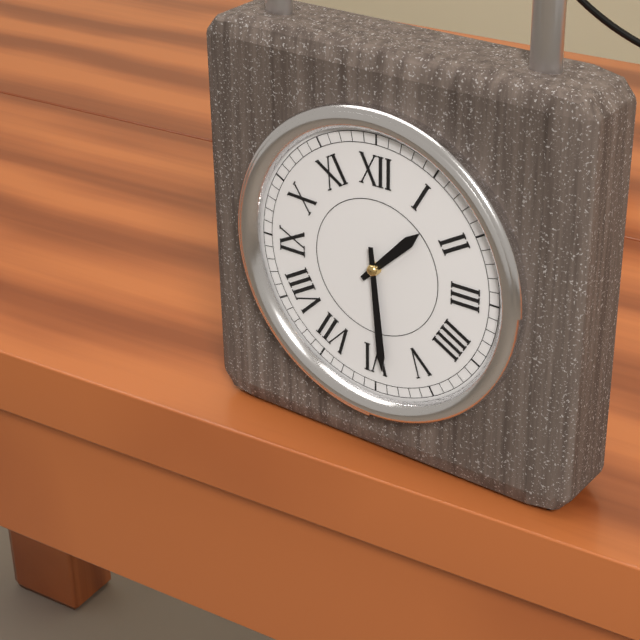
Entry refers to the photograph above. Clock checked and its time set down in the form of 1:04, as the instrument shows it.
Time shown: 1:29
